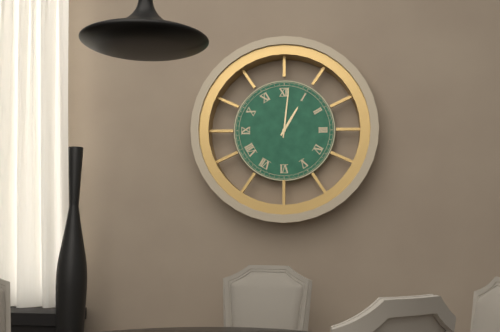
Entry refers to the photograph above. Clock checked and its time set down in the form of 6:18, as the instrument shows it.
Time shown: 1:01
